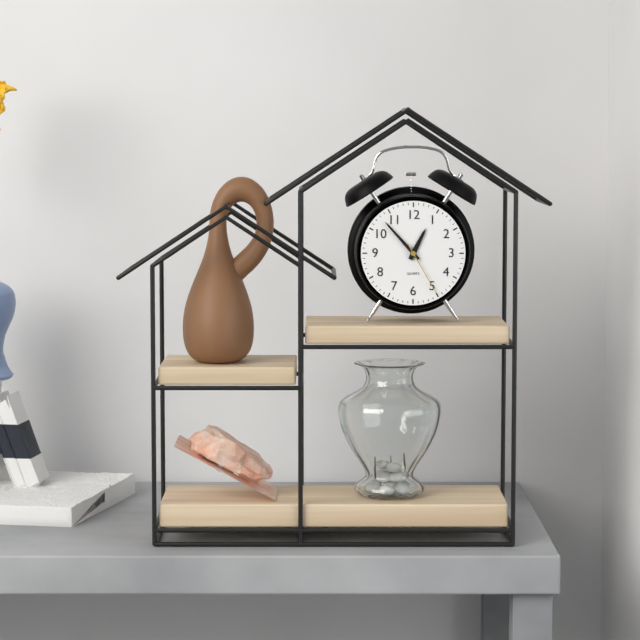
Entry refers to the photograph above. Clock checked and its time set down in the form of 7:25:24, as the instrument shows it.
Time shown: 12:53:25
